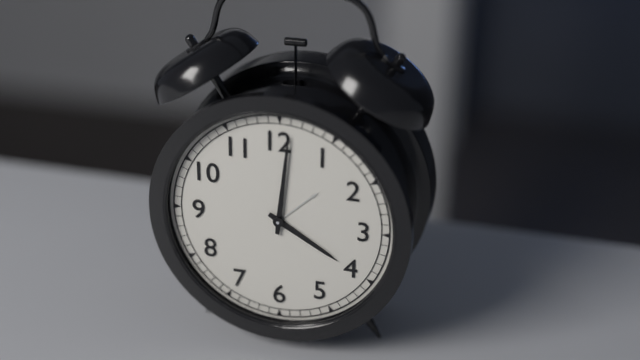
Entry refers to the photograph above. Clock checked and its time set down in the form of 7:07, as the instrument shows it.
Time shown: 4:01
